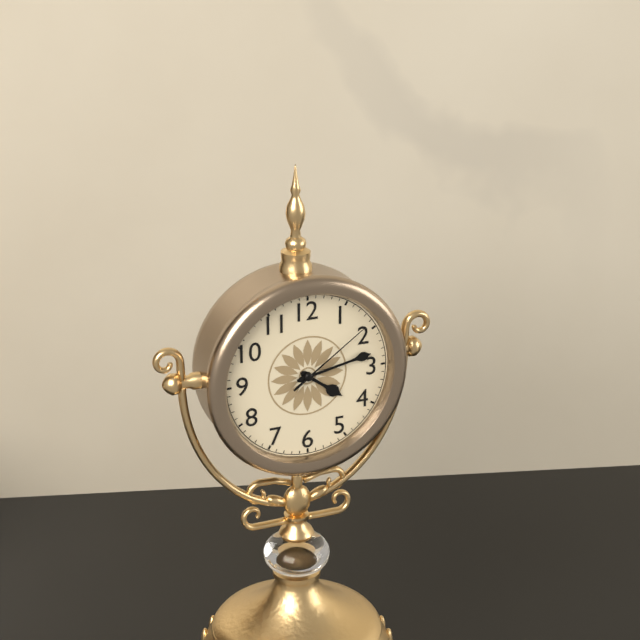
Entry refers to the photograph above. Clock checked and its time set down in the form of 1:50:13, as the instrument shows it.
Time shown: 4:13:09
